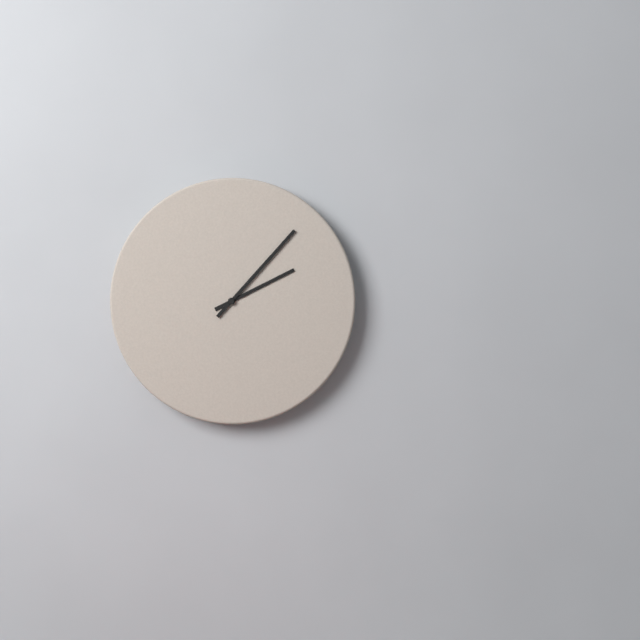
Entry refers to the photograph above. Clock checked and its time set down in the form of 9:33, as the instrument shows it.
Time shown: 2:07
